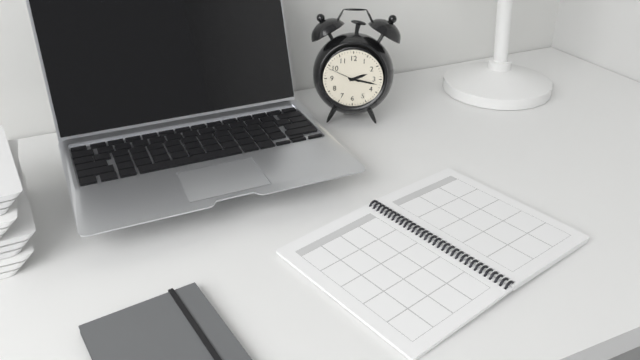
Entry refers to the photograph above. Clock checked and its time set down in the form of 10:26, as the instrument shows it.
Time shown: 2:17
